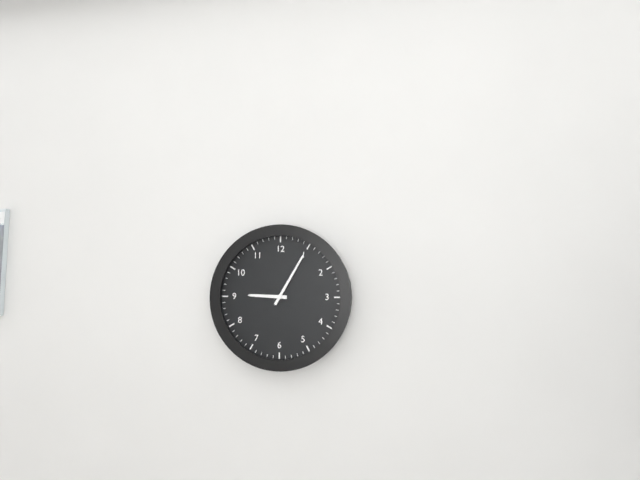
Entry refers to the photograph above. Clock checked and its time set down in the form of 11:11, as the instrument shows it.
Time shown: 9:05
